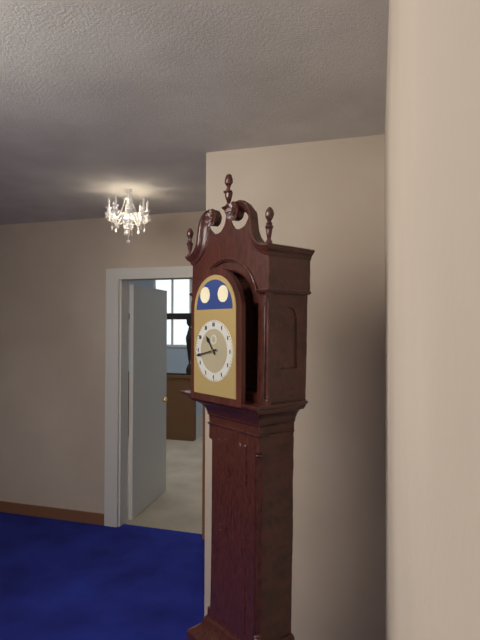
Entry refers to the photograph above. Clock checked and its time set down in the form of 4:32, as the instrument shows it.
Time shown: 10:43
